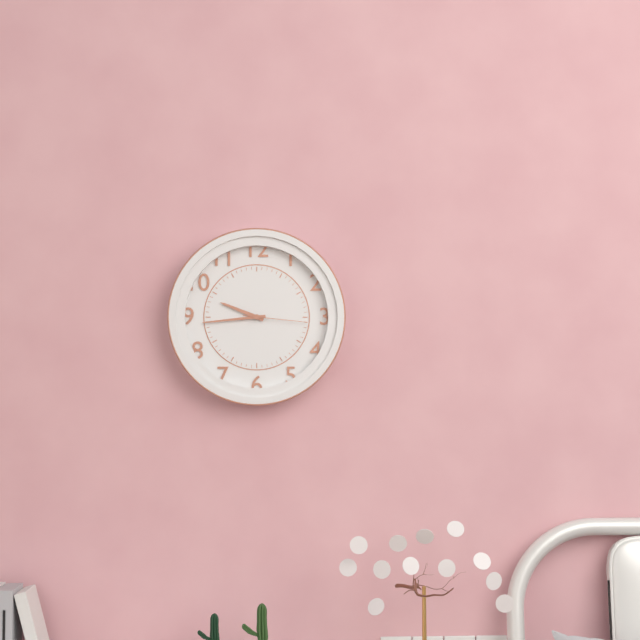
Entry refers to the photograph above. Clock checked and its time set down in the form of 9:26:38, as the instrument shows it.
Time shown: 9:44:16
